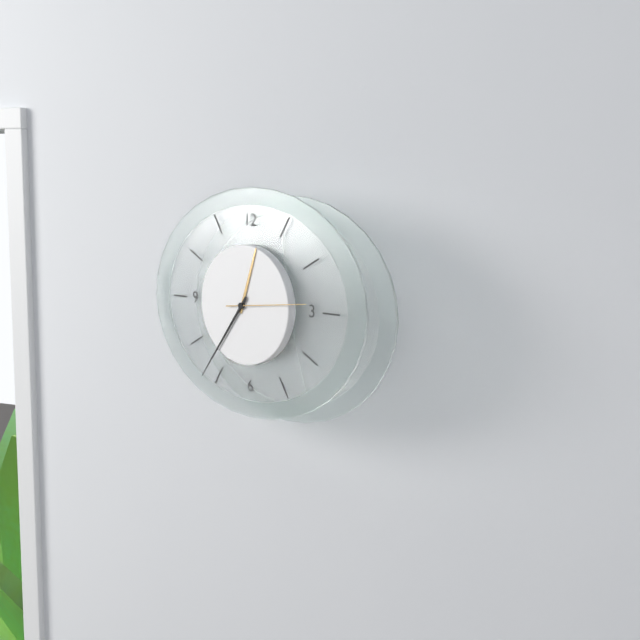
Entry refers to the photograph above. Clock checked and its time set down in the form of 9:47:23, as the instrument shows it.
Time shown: 12:36:14
